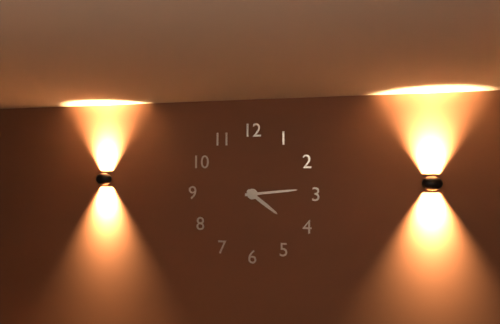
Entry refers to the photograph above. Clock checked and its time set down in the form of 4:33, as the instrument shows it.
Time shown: 4:14
